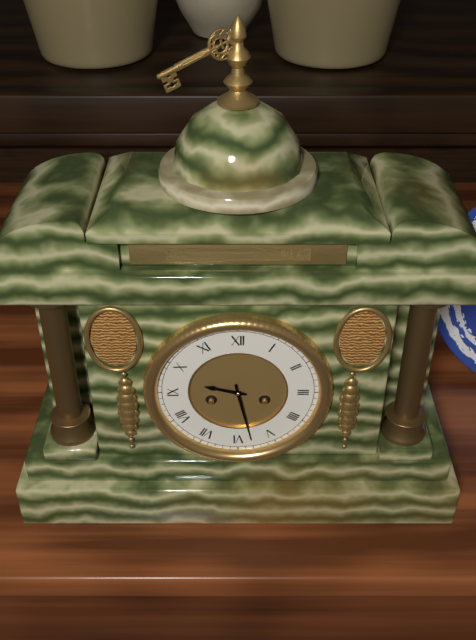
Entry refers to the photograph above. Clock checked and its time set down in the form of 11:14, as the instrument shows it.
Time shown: 9:28
